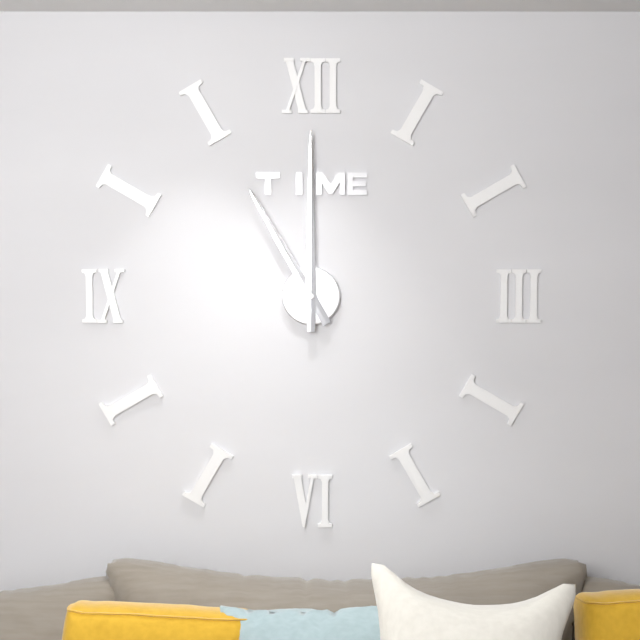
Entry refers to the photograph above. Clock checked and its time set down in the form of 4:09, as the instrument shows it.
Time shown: 11:00
